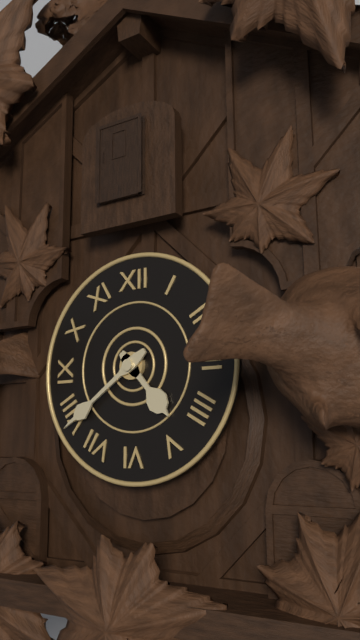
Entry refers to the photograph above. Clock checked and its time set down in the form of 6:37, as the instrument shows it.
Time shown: 4:39
